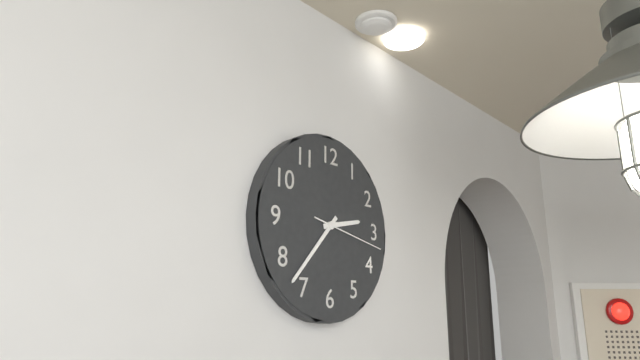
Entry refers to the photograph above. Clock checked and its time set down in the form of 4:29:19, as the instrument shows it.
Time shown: 2:37:17
